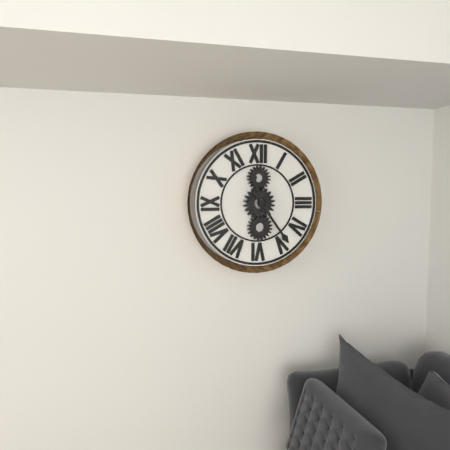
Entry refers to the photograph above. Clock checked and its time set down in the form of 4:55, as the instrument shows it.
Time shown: 11:24
